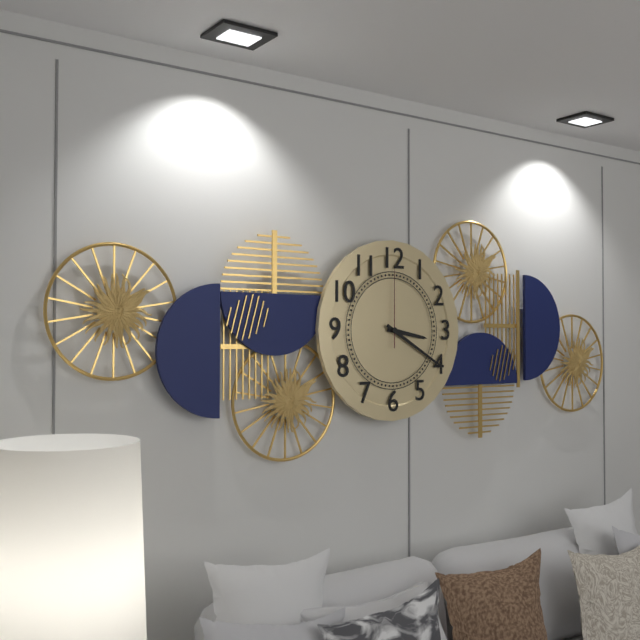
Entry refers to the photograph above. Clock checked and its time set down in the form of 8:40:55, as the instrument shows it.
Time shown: 3:20:00
